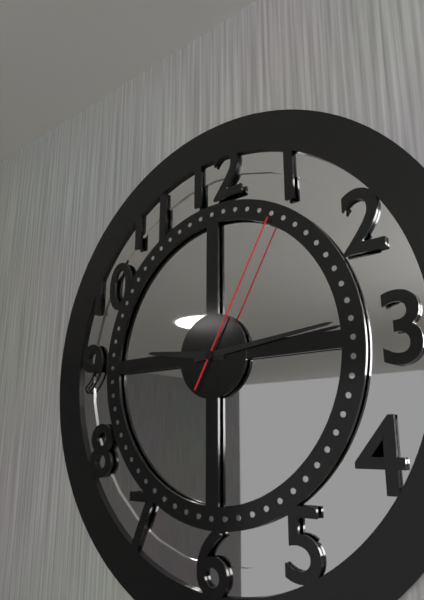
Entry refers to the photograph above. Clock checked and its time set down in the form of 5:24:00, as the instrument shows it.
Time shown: 9:14:05
